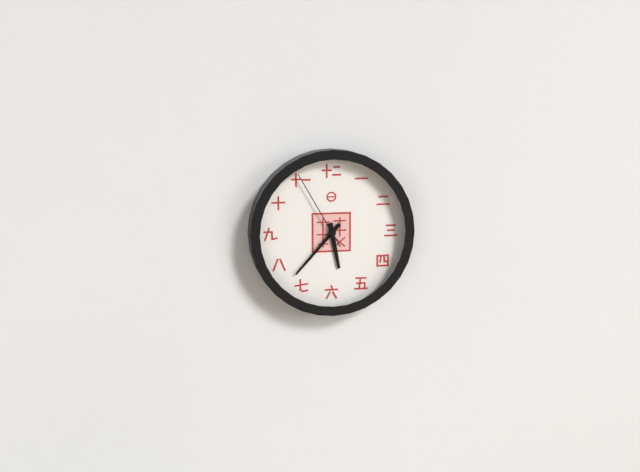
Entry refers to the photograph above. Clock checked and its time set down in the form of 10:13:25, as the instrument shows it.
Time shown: 5:37:55
